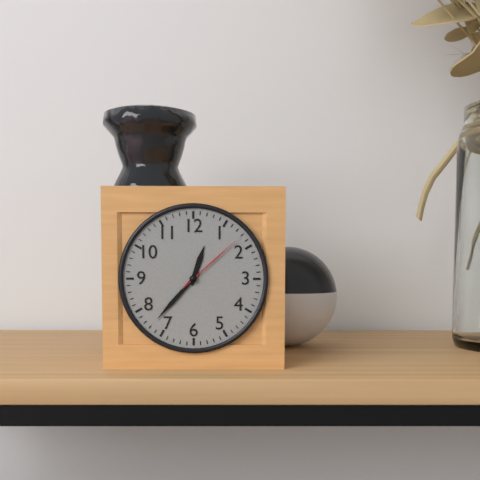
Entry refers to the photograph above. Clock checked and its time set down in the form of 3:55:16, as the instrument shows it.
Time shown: 12:37:08
